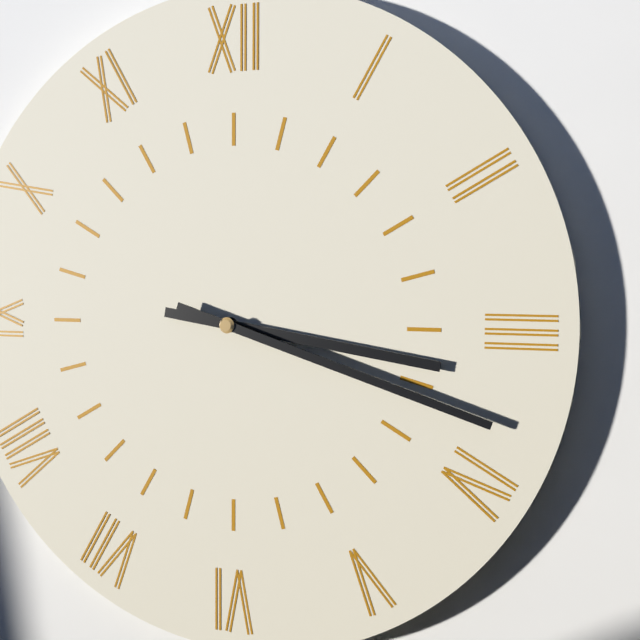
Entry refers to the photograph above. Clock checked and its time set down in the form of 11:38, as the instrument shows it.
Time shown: 3:18
